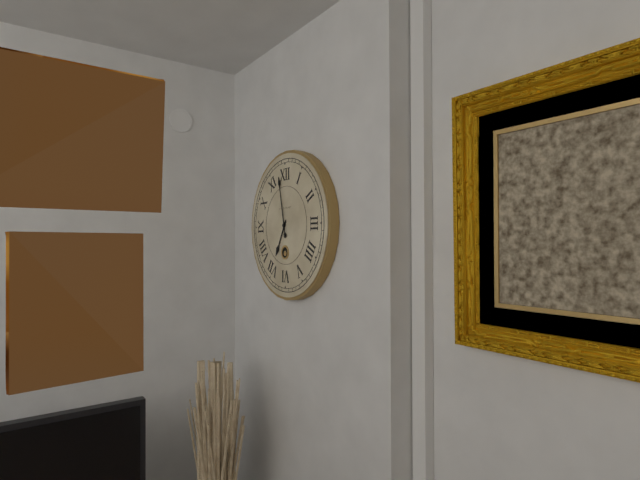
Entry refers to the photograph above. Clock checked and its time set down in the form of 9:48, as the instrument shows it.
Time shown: 6:58
